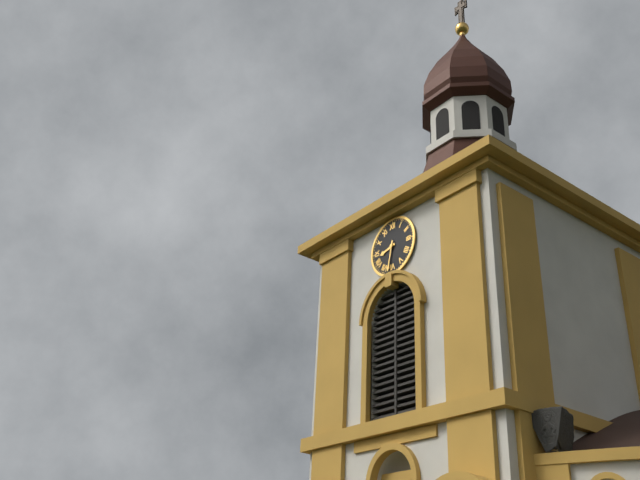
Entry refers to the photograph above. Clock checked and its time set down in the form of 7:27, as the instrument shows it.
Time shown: 8:32
